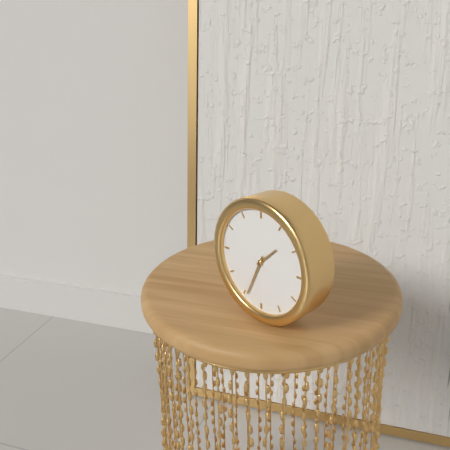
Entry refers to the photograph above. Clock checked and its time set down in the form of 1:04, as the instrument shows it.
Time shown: 1:34
